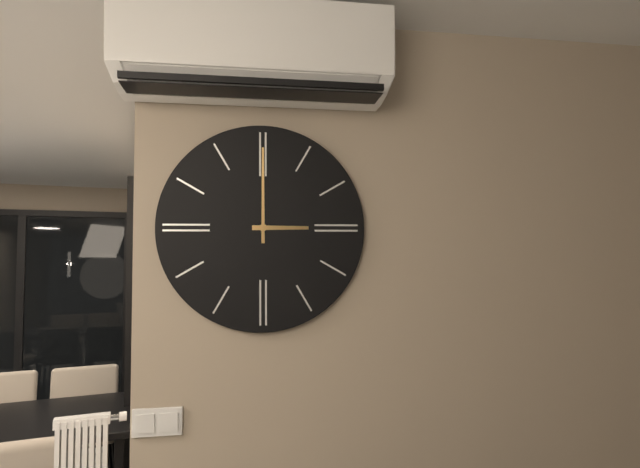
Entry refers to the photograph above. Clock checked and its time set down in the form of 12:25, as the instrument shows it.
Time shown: 3:00
